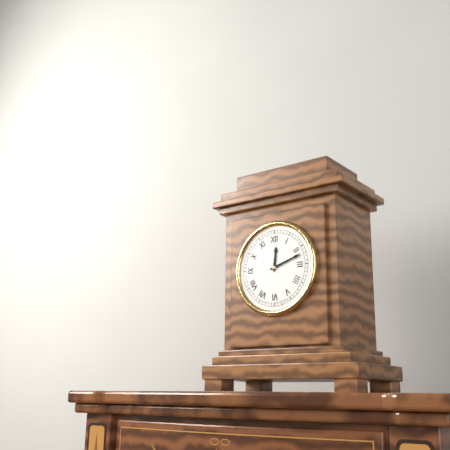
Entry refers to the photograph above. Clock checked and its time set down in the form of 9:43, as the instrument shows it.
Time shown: 12:12
